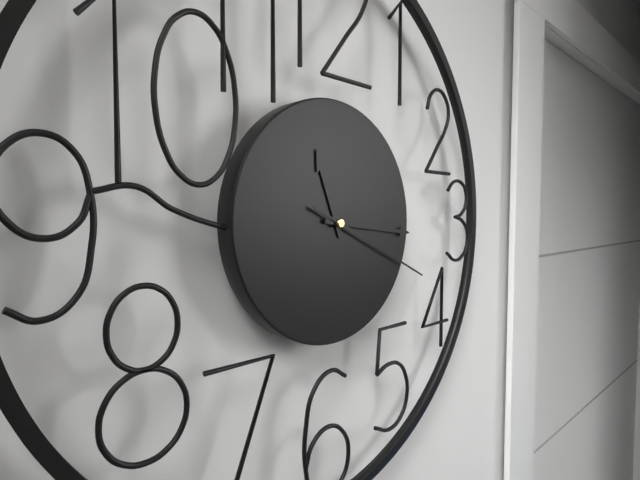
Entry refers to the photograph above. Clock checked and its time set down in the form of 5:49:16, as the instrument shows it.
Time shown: 11:16:19
